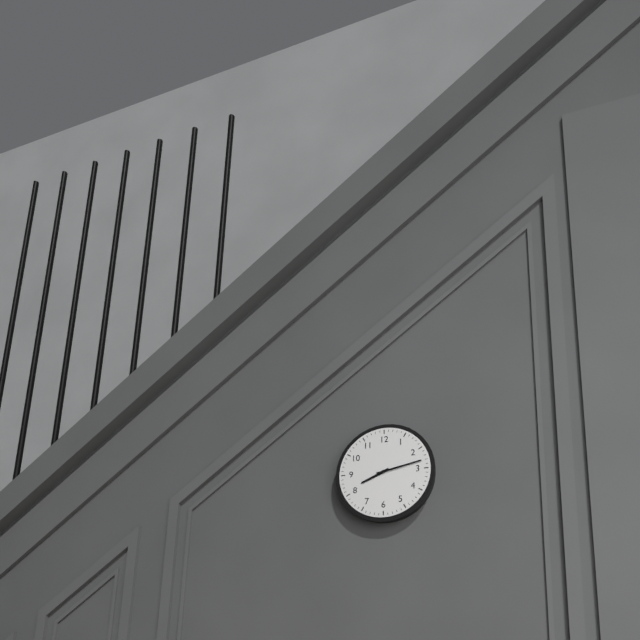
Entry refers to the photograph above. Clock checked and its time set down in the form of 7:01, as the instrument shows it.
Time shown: 8:13
